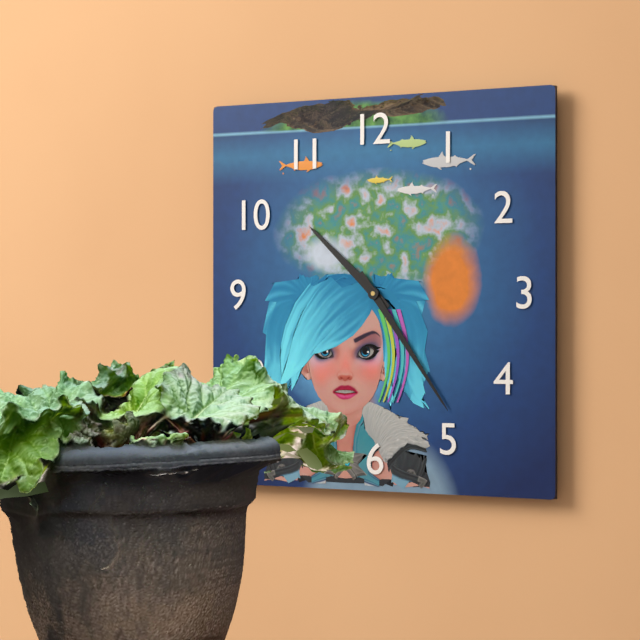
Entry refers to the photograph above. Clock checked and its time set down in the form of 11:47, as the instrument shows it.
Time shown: 10:24
